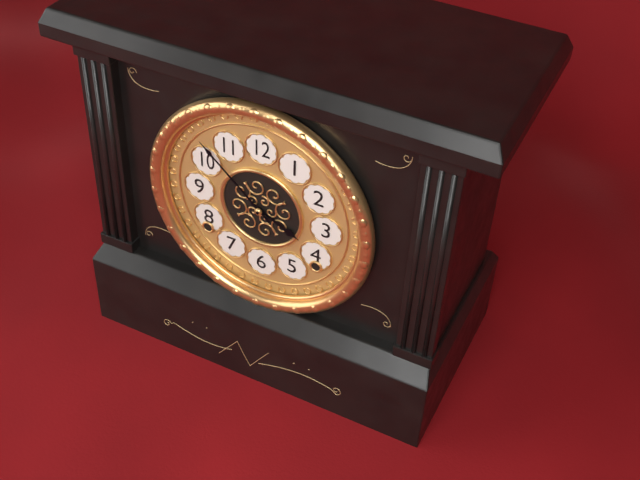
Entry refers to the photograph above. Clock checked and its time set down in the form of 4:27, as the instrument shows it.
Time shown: 3:52
